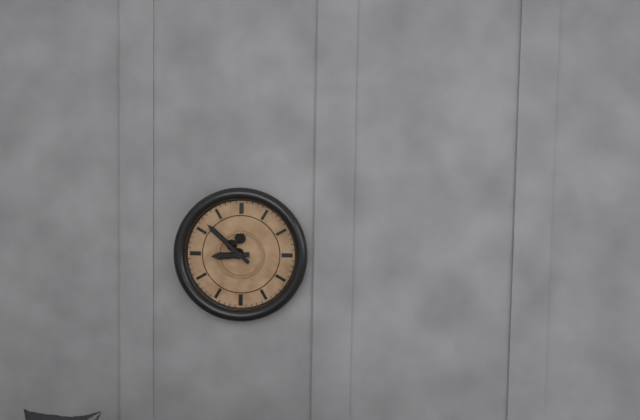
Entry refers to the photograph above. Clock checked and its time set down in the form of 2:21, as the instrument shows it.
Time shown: 8:52
